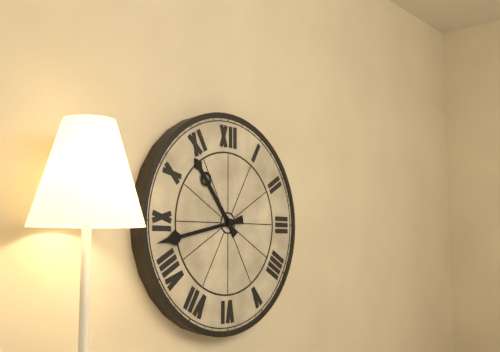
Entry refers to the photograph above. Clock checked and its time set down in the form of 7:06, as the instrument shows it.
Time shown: 10:43
